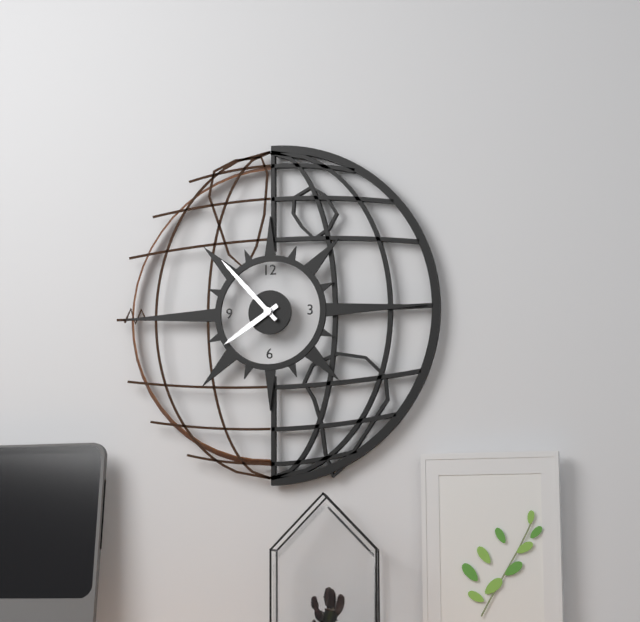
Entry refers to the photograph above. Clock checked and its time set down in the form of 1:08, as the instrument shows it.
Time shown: 7:53
